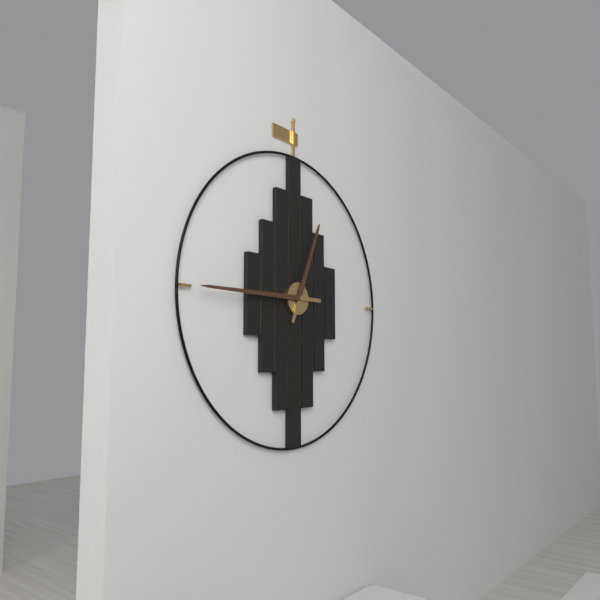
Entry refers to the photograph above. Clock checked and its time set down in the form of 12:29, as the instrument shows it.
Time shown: 12:45
